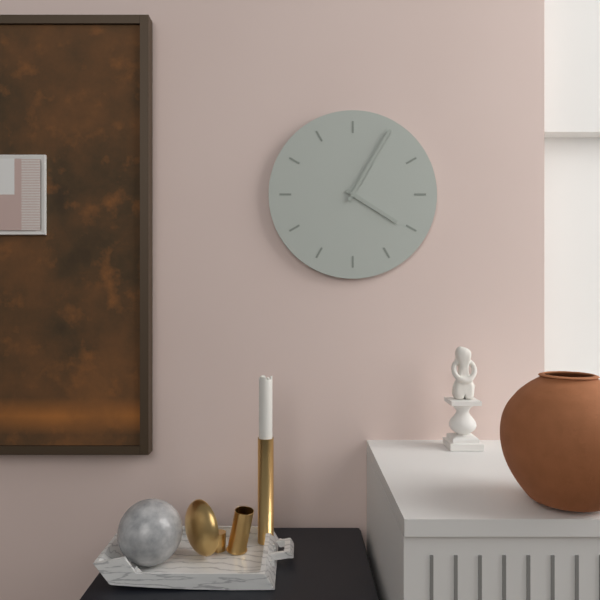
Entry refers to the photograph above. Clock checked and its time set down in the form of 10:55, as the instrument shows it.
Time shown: 4:05
